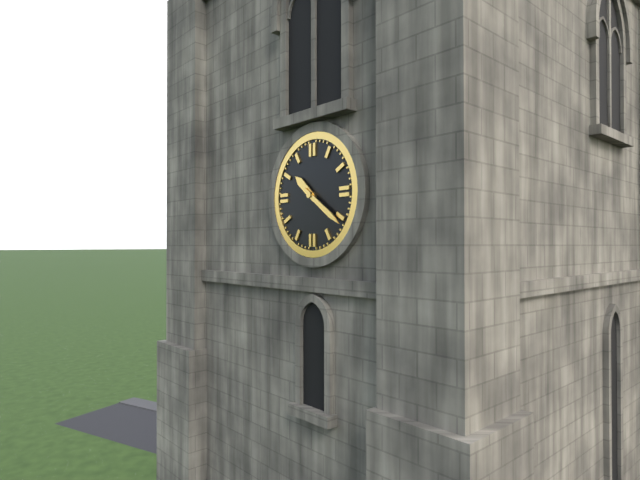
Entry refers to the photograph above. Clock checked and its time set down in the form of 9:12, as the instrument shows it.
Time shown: 10:21
